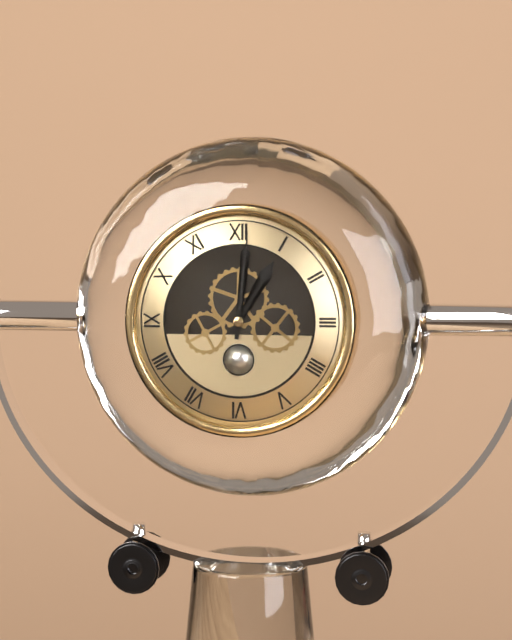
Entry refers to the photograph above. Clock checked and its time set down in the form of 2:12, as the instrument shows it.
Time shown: 1:01
